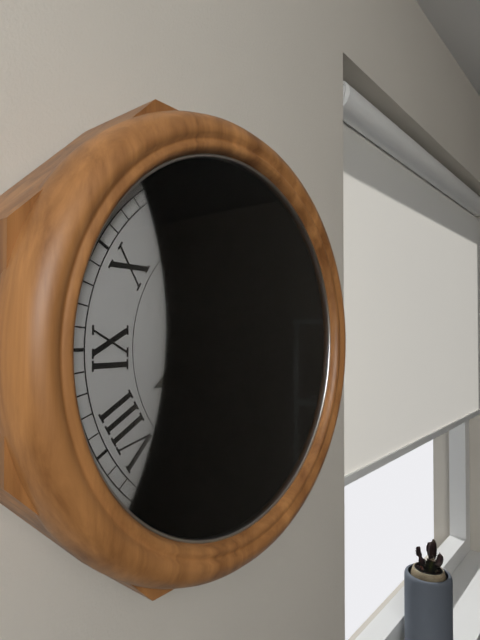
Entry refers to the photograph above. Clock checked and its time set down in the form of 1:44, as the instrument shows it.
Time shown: 8:19
